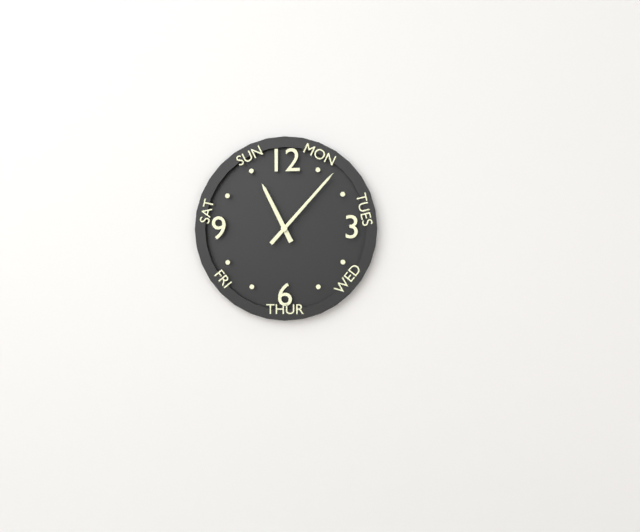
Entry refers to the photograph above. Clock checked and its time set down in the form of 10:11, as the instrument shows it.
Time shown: 11:07
